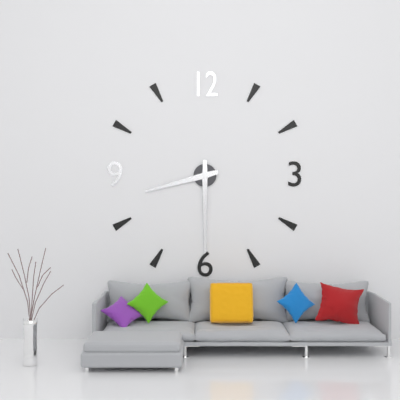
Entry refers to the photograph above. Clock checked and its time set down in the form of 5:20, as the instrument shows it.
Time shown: 8:30
